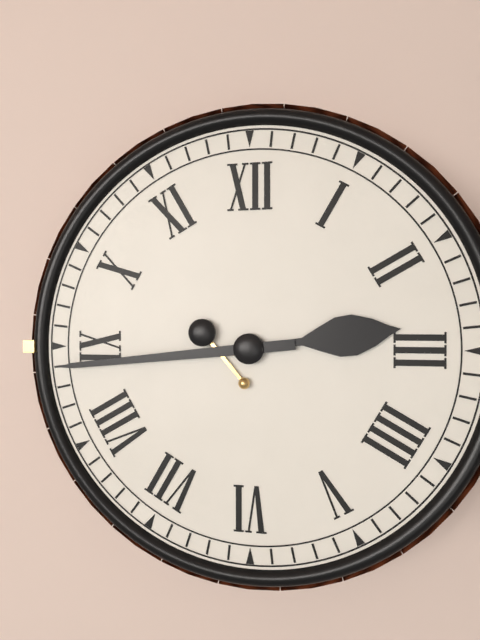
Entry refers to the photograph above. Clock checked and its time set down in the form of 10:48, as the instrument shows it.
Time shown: 2:44
